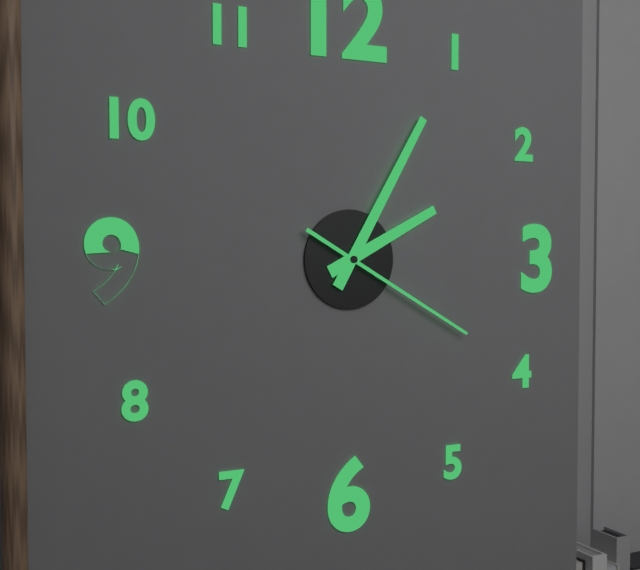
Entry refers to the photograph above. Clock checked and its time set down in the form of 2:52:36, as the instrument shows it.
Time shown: 2:05:20
